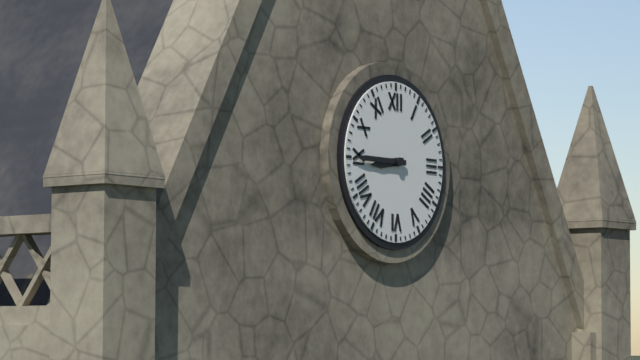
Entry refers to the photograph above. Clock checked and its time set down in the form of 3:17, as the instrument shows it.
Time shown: 8:45
